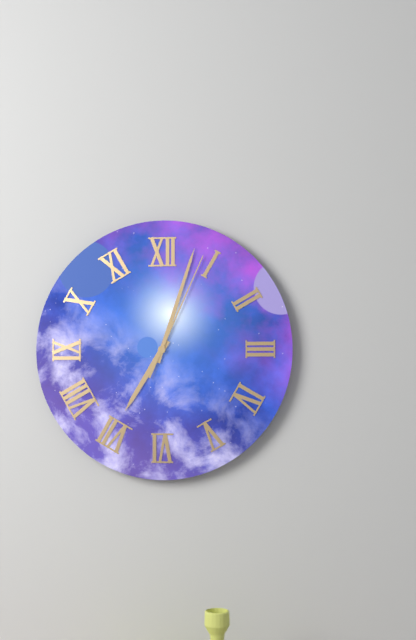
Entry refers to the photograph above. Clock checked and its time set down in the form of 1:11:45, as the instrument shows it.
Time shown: 7:03:04
